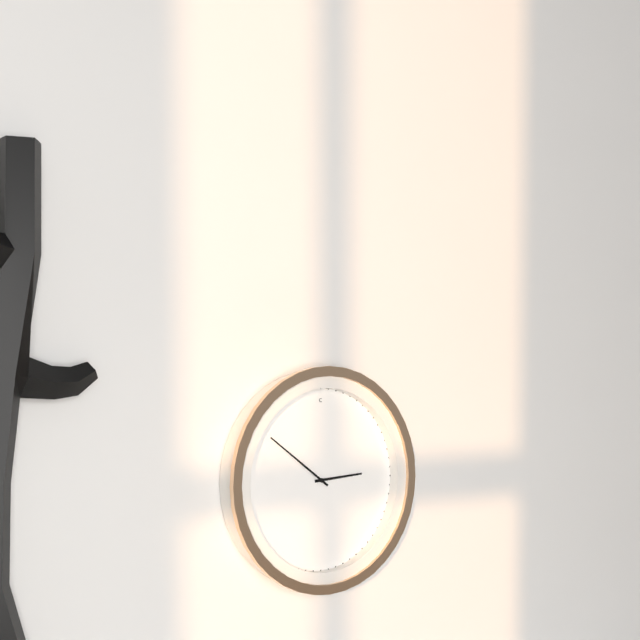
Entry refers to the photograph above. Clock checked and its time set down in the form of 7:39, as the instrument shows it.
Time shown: 2:51
